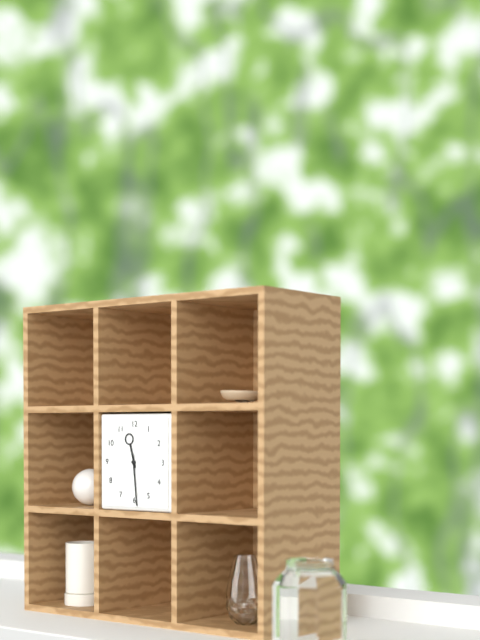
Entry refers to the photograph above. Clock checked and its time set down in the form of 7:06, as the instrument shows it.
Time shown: 11:29
